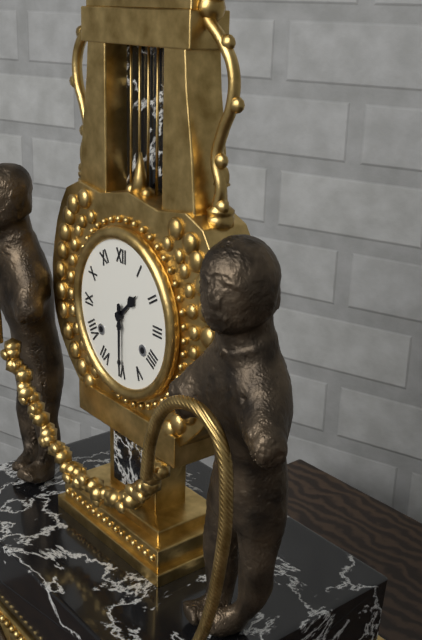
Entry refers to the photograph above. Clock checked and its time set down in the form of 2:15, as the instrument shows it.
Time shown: 1:30
